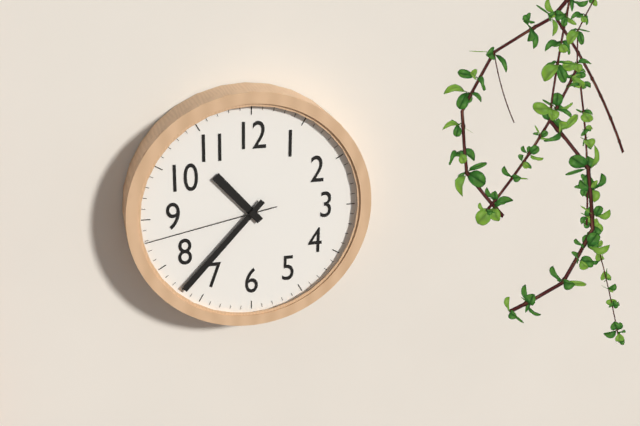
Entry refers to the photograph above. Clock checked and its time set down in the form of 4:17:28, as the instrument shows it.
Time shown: 10:37:43
